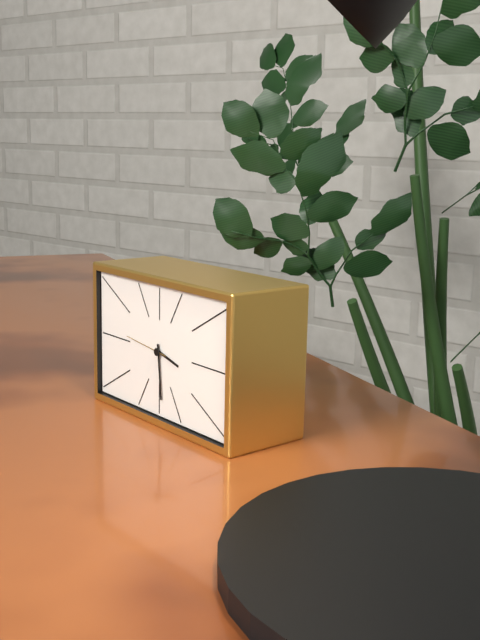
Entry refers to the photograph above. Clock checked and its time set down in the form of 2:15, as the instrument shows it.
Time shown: 3:29
